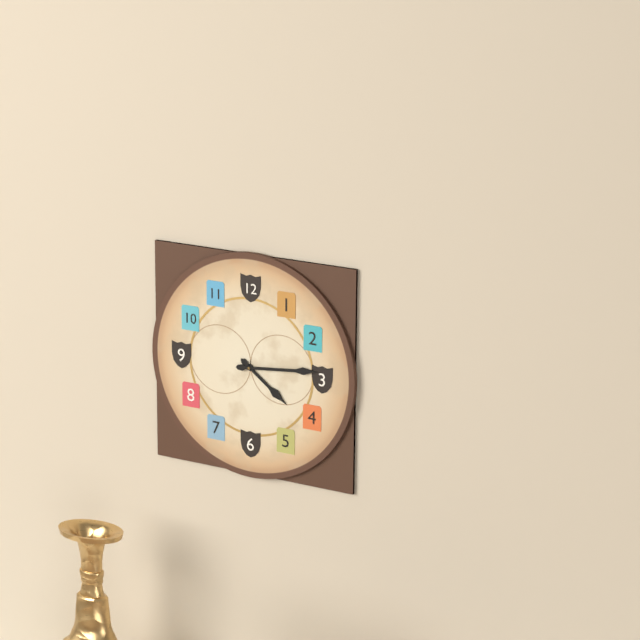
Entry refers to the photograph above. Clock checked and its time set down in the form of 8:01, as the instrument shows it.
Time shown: 4:14
